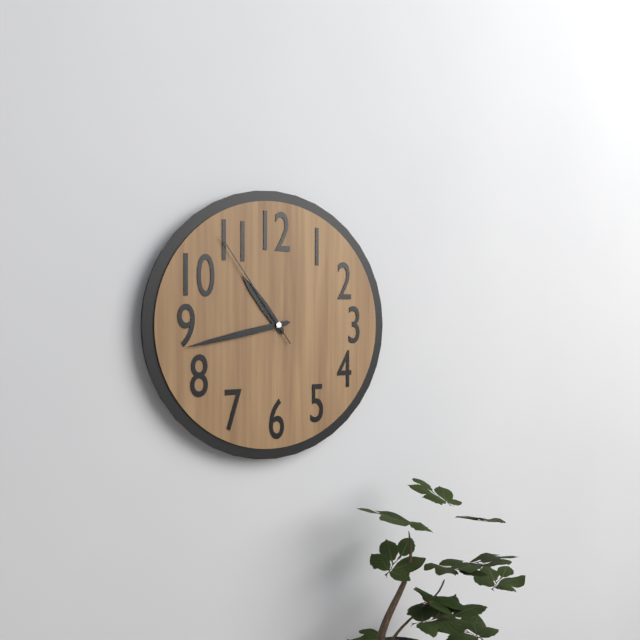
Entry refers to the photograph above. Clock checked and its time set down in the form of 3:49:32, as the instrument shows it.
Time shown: 10:43:54
